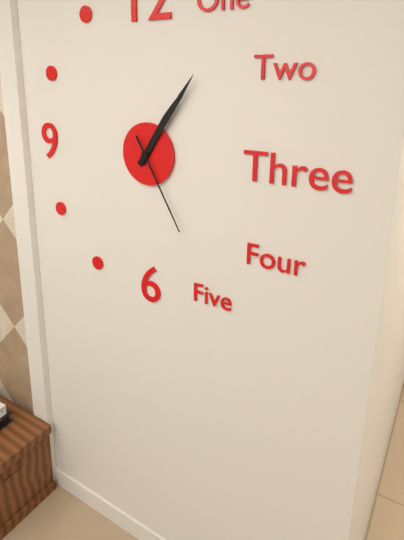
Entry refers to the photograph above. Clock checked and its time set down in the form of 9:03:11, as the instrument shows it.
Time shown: 1:06:25
